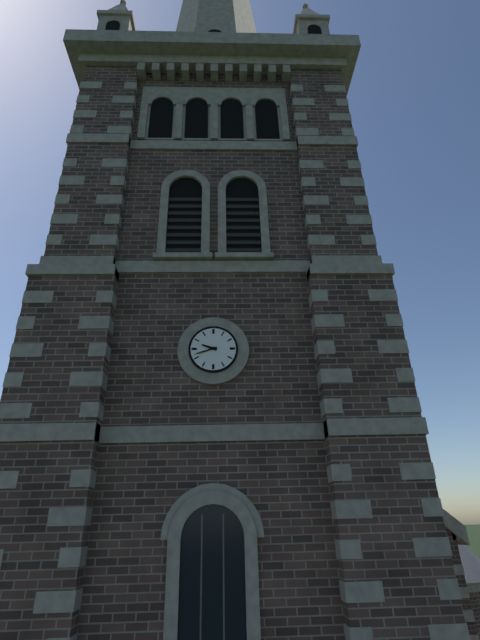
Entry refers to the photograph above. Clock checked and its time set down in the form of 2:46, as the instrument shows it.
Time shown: 9:42
